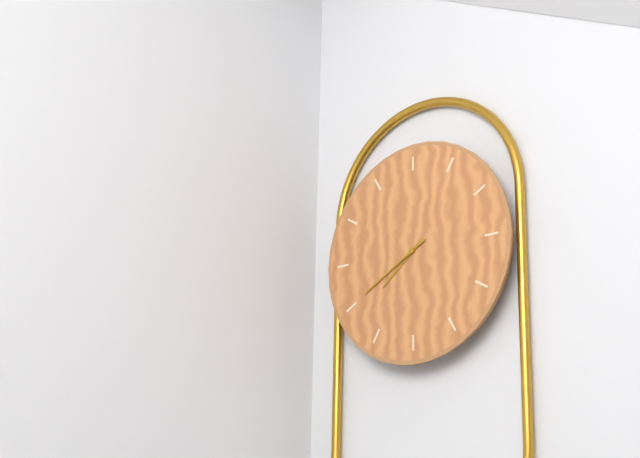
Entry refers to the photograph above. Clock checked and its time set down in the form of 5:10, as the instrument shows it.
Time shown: 7:40
